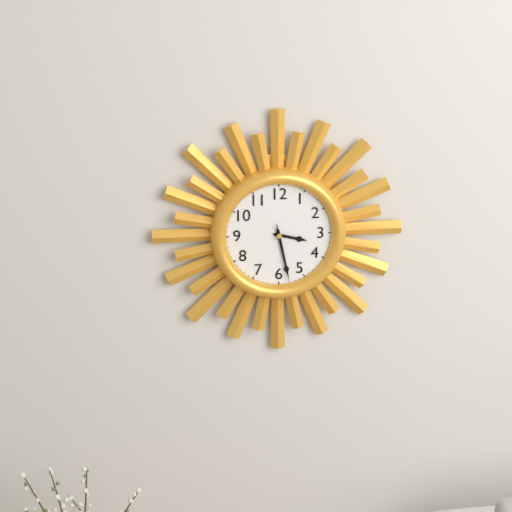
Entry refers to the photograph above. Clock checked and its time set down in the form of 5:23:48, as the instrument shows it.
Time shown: 3:28:28
